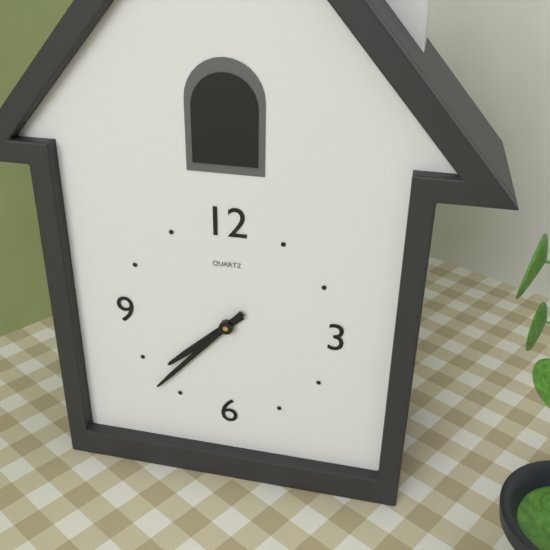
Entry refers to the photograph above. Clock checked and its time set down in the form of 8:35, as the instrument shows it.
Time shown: 7:37
